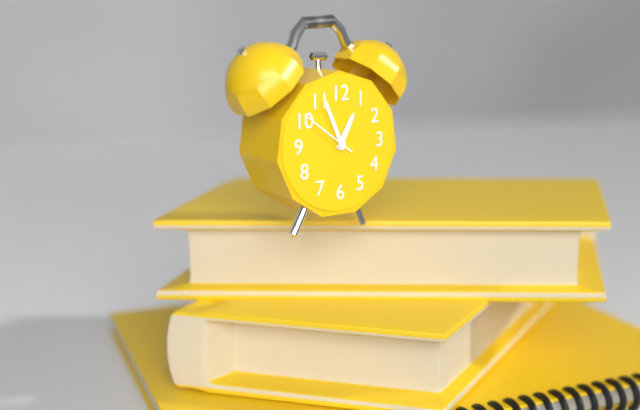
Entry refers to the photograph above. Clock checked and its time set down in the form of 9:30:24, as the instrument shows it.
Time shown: 12:56:51
